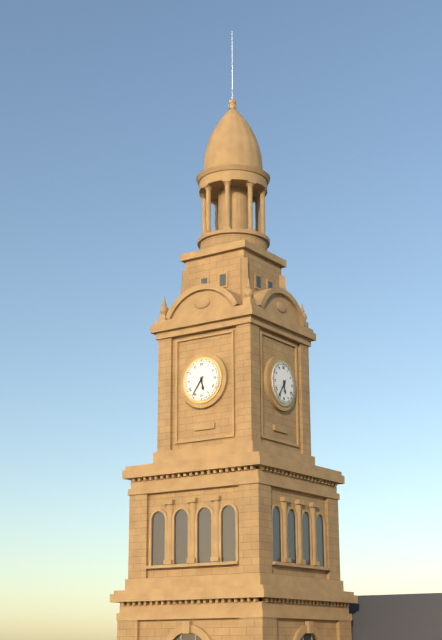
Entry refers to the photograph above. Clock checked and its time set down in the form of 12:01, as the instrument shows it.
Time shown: 5:36
